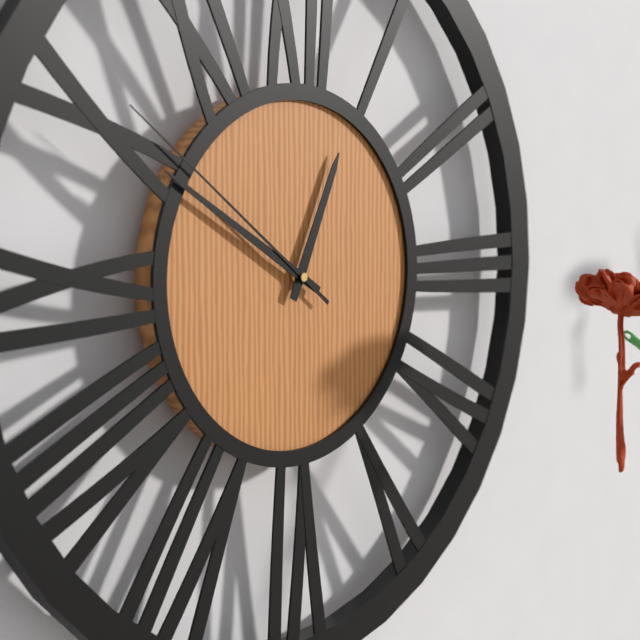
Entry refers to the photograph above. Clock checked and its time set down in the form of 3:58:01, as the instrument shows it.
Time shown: 12:50:51
